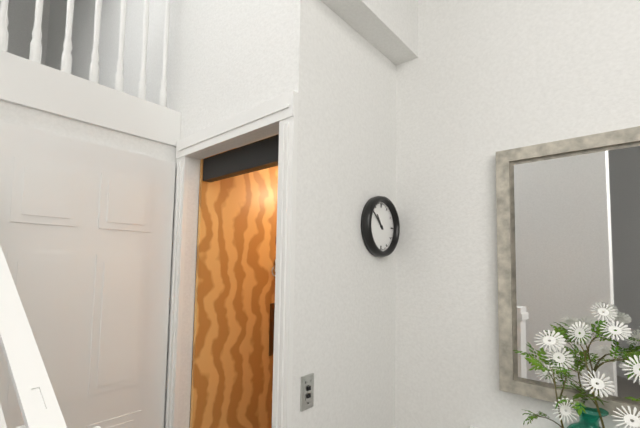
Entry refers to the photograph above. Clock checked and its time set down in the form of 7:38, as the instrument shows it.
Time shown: 10:52
